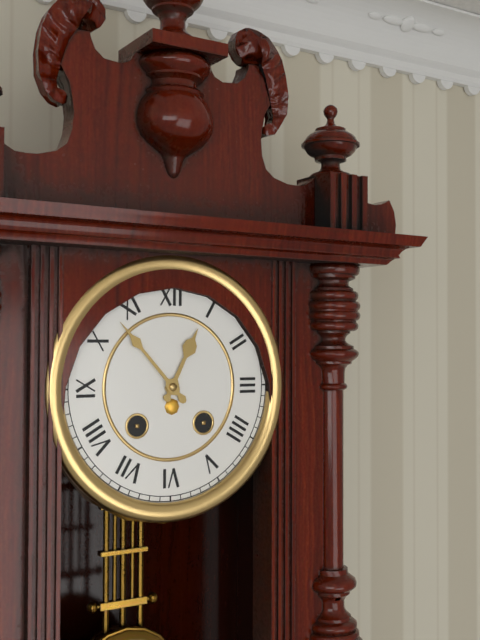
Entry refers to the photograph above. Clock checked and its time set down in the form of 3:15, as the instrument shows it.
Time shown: 12:53
